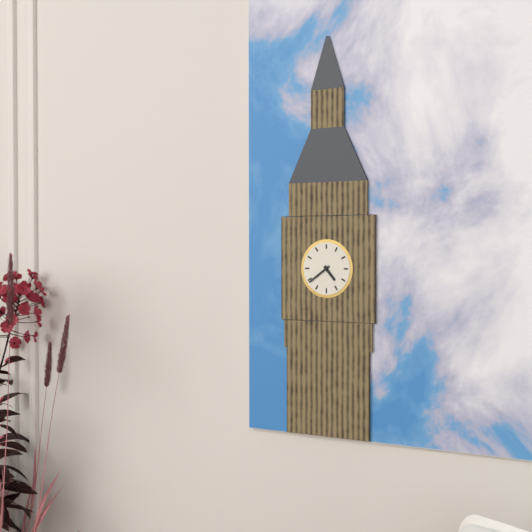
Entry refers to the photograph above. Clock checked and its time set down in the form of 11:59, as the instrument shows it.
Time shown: 4:39
